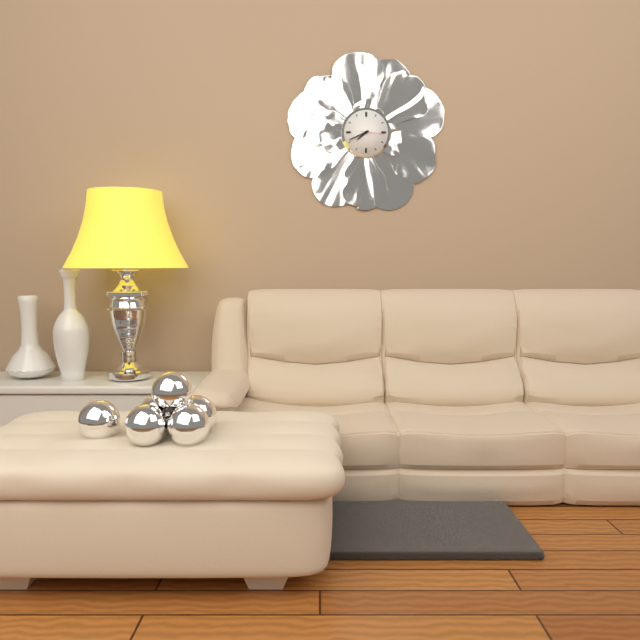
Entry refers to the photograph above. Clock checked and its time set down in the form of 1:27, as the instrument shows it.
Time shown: 7:41
